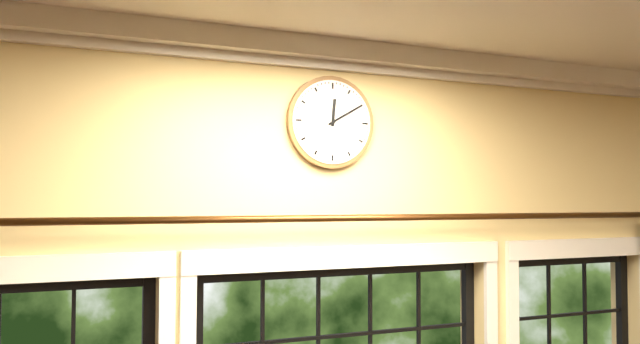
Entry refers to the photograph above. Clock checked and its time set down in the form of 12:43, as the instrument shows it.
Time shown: 12:10
